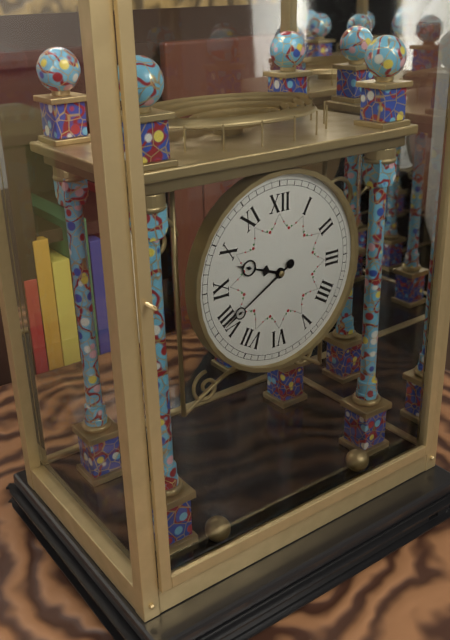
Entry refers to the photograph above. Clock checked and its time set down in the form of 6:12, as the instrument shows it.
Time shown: 9:40
